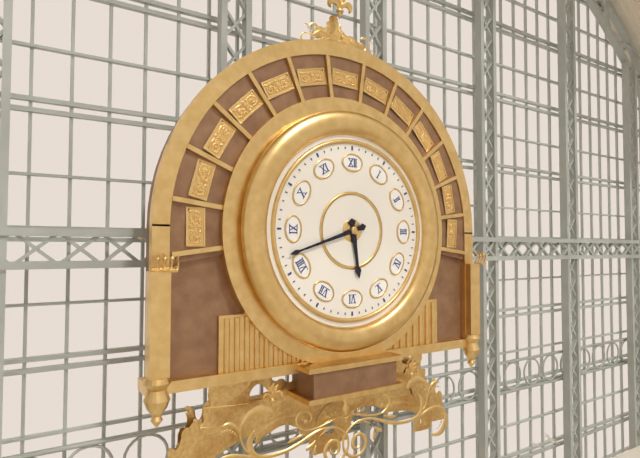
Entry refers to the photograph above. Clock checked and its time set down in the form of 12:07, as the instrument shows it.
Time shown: 5:42
